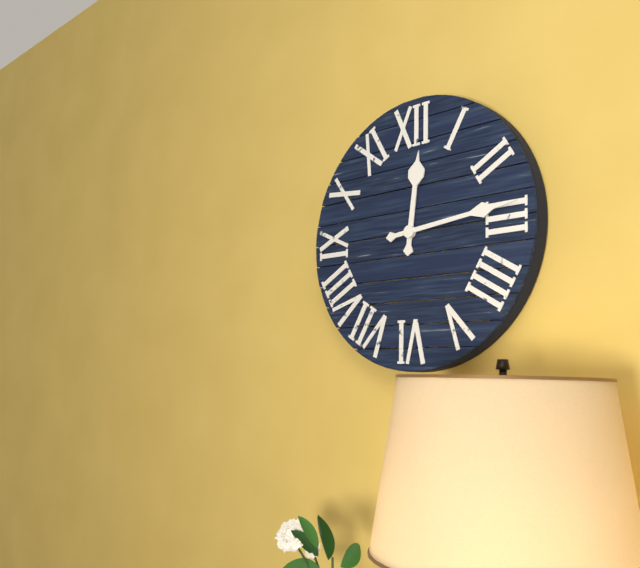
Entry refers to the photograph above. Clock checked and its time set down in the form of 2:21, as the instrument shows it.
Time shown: 12:14
